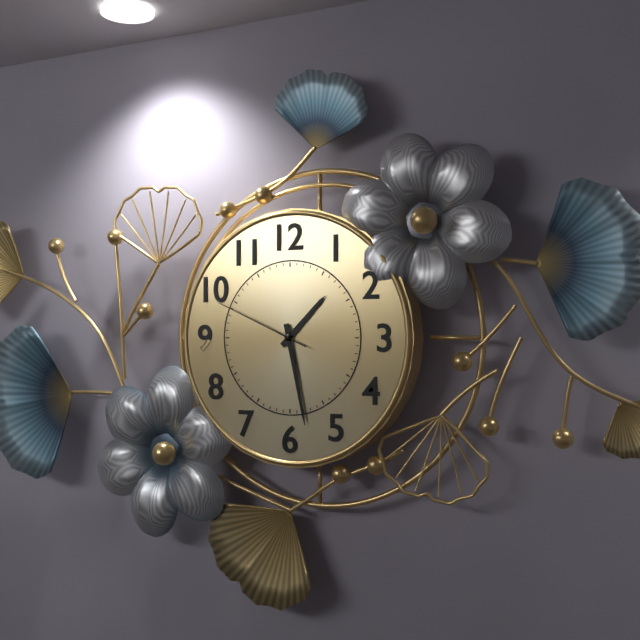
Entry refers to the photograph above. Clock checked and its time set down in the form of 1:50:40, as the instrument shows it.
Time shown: 1:28:49
